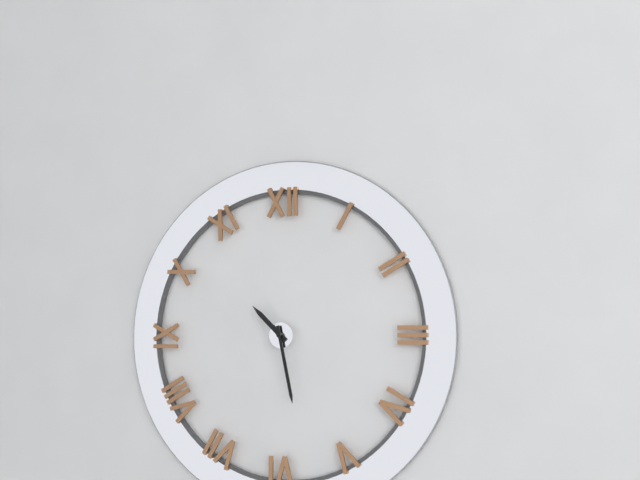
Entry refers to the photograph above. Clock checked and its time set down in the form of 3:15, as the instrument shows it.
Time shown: 10:28
